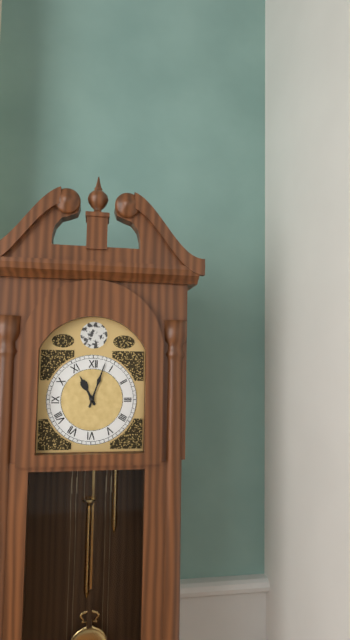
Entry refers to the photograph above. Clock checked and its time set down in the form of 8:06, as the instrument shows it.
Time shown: 11:03
